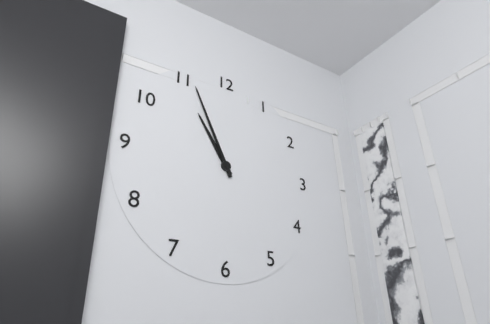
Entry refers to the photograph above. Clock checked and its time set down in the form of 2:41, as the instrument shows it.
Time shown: 10:56
